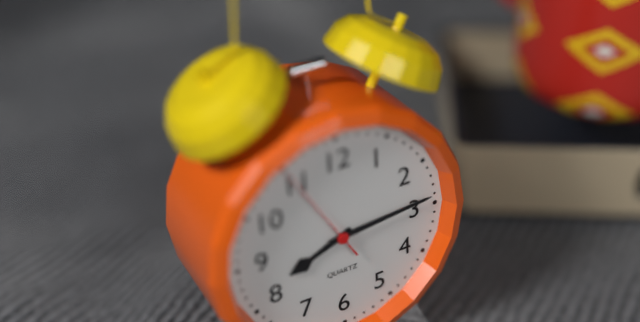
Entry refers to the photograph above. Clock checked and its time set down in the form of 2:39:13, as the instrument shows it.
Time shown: 8:14:55
